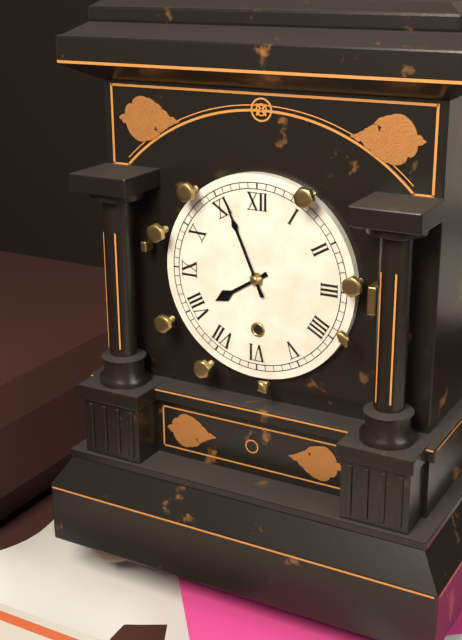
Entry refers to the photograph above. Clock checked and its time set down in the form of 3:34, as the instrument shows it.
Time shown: 7:56
